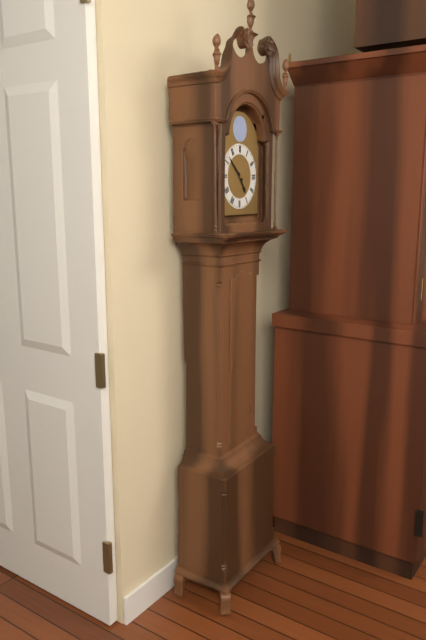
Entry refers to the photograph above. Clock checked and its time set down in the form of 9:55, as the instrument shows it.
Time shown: 4:52
